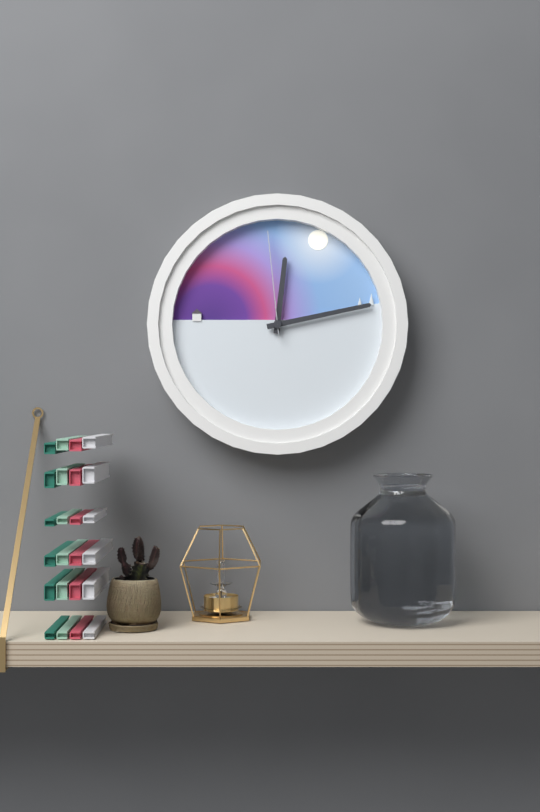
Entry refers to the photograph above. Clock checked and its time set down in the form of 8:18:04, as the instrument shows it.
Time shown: 12:13:59
